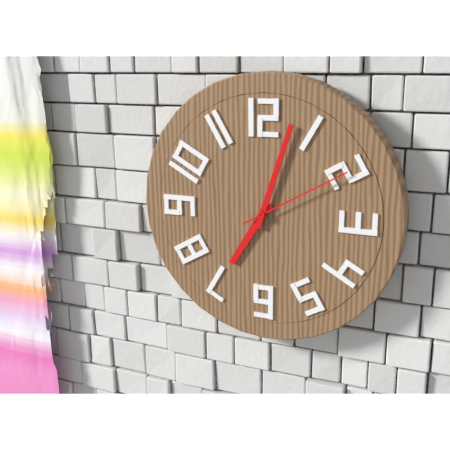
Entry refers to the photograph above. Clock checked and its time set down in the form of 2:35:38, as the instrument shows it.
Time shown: 7:03:10
